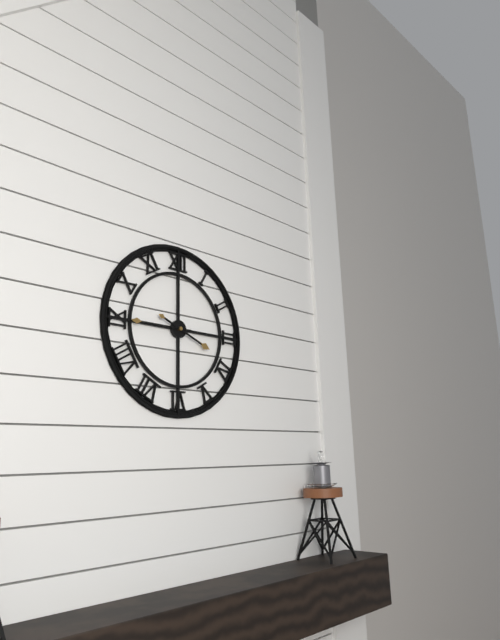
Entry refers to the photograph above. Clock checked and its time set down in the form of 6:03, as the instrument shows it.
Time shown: 3:45
